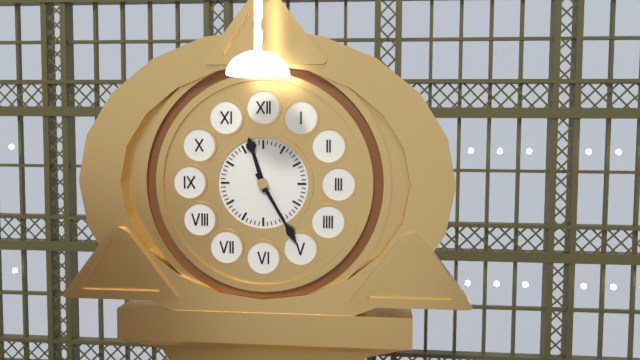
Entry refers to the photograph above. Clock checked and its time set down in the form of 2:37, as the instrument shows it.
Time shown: 11:25
